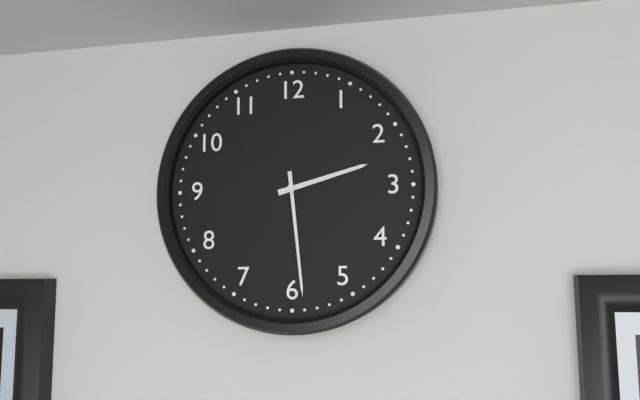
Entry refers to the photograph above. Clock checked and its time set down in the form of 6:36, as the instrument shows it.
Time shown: 2:29
